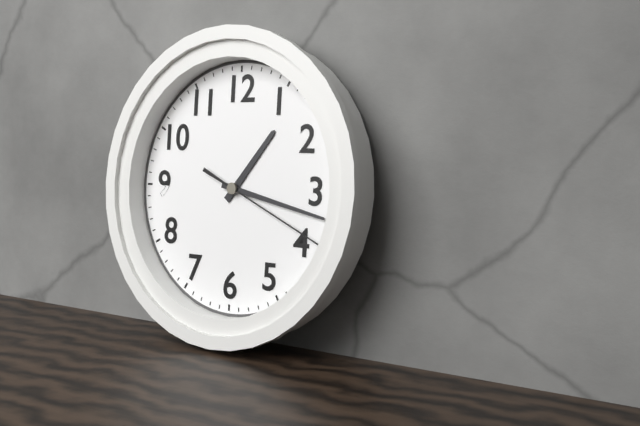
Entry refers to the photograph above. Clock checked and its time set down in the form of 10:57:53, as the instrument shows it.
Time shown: 1:17:19
